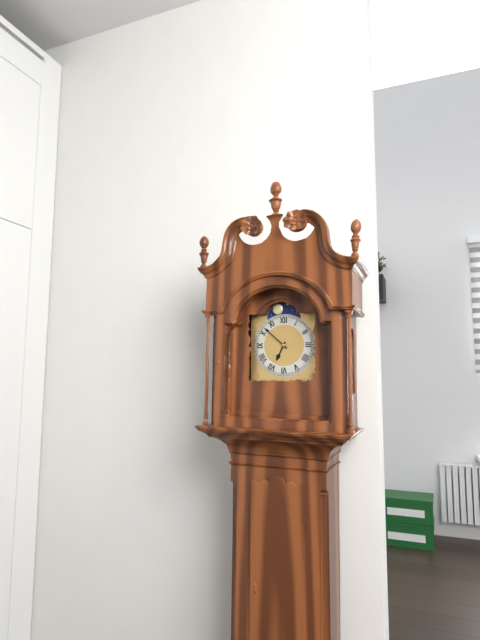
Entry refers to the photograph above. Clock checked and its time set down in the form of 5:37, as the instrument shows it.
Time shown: 6:52
